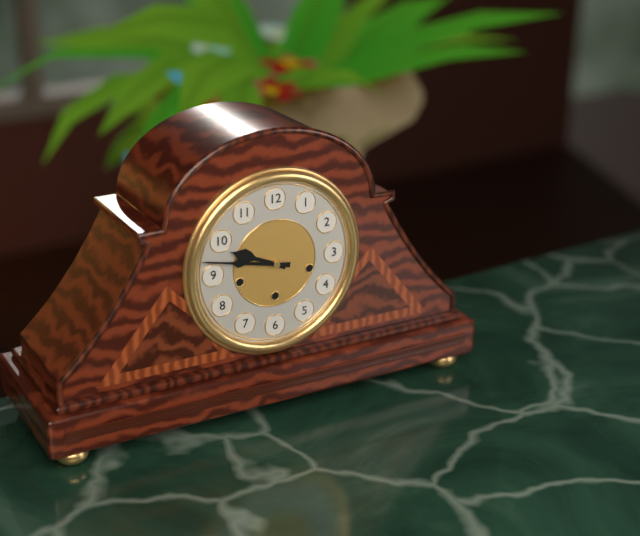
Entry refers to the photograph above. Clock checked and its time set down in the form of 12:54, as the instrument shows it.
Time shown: 9:47
